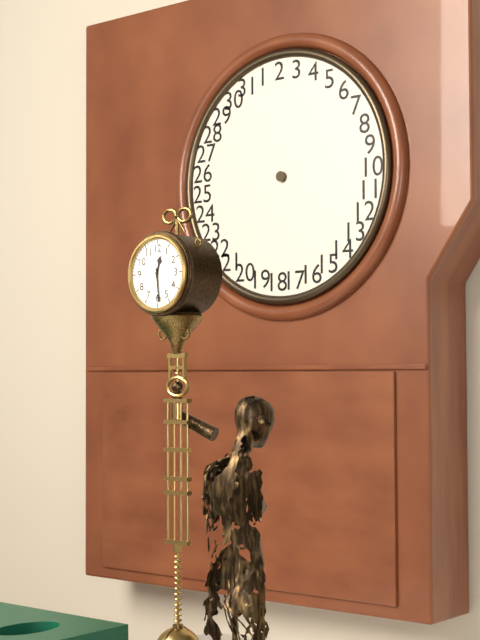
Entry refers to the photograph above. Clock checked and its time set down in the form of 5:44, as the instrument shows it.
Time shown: 12:29
